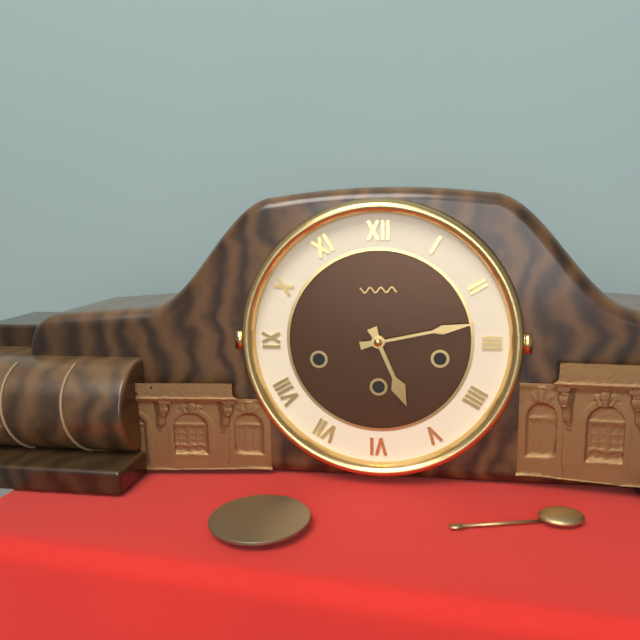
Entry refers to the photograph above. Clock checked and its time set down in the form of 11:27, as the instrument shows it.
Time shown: 5:13
